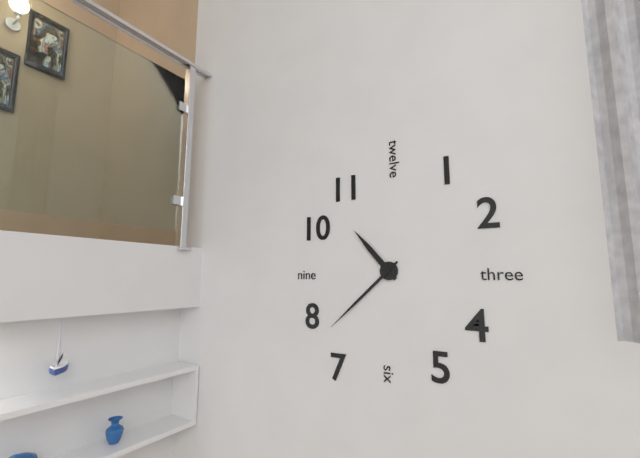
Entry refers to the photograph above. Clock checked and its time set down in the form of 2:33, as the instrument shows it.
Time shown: 10:38
